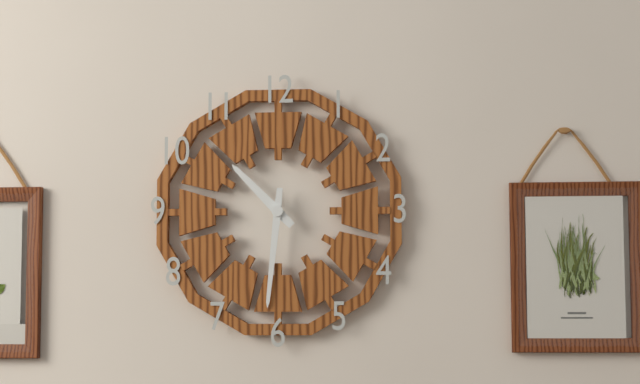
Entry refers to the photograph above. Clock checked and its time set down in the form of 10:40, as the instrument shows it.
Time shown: 10:31
